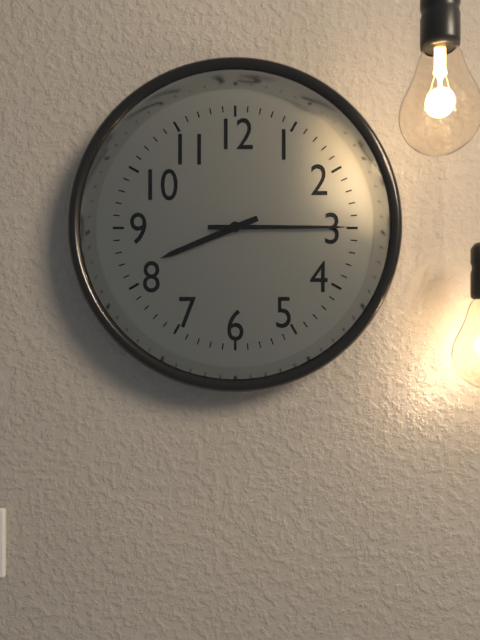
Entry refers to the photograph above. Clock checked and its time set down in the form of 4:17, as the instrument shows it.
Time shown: 8:15
